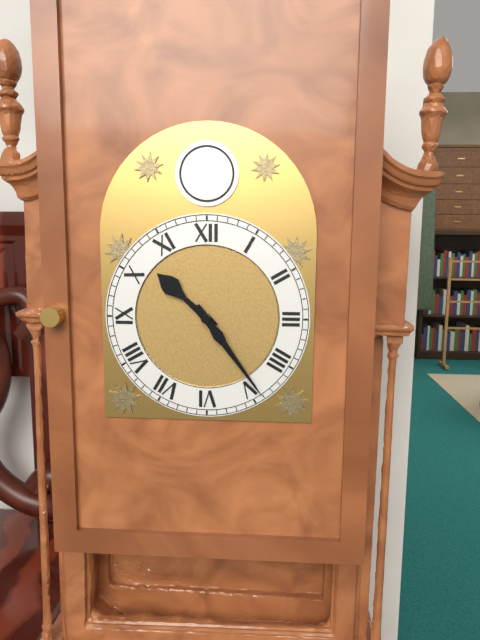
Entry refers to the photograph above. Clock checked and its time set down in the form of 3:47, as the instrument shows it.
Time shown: 10:24
